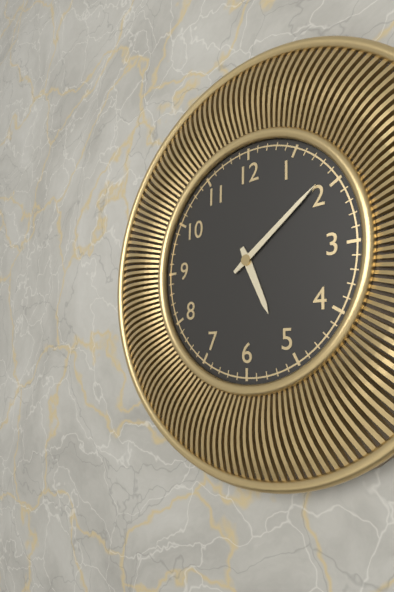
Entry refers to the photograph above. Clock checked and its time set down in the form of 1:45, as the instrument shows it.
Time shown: 5:09
